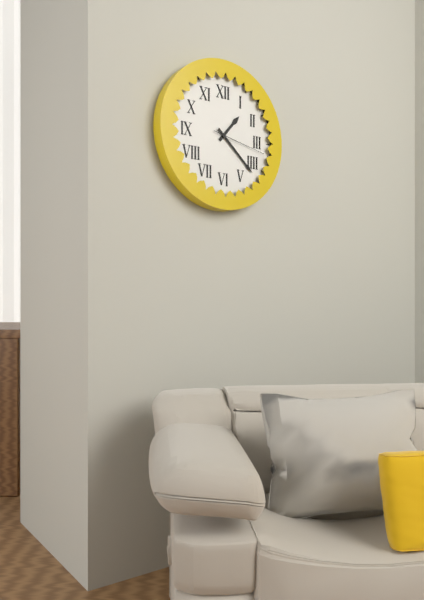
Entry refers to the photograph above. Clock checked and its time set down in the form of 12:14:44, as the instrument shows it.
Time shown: 1:22:17
